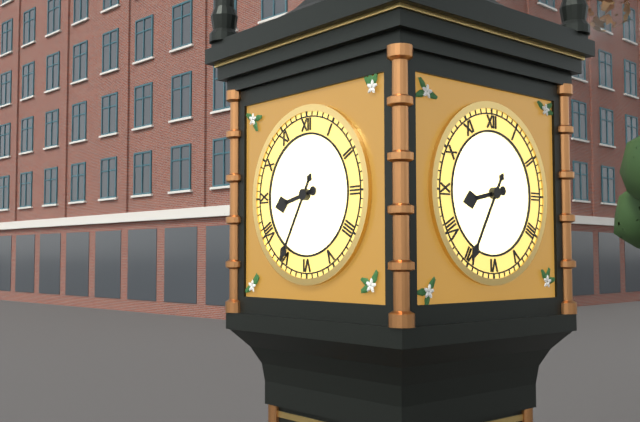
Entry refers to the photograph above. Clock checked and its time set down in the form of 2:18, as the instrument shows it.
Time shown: 8:35
